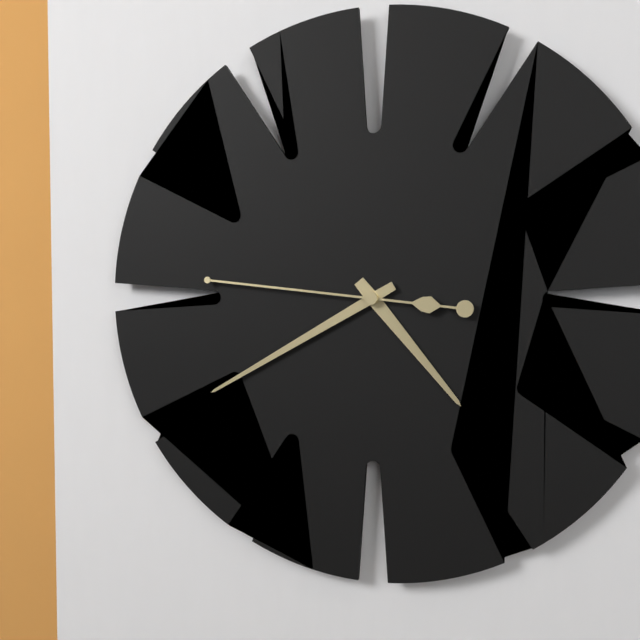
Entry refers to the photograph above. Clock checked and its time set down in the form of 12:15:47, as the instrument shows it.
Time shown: 4:40:46
